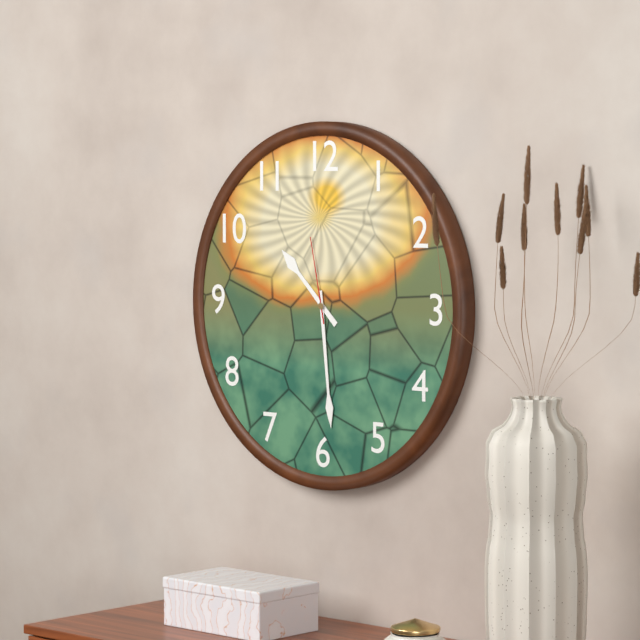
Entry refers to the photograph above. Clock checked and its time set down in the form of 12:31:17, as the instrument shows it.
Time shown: 10:29:58
